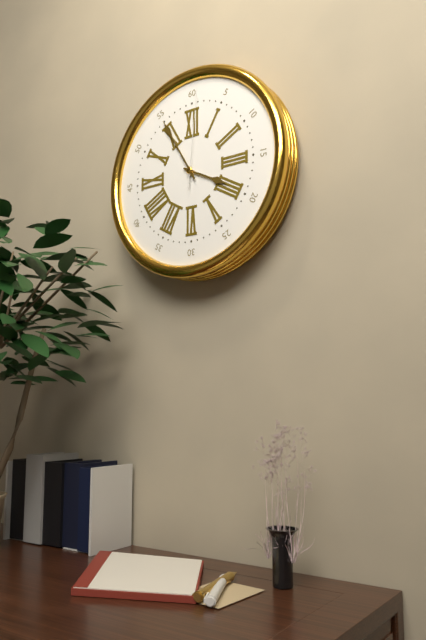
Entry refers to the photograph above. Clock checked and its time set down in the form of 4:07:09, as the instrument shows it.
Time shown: 3:55:01
